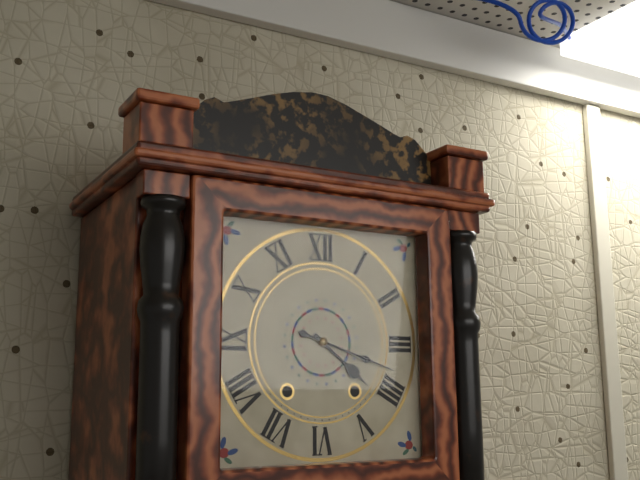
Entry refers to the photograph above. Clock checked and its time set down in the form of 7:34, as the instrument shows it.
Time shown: 4:18
